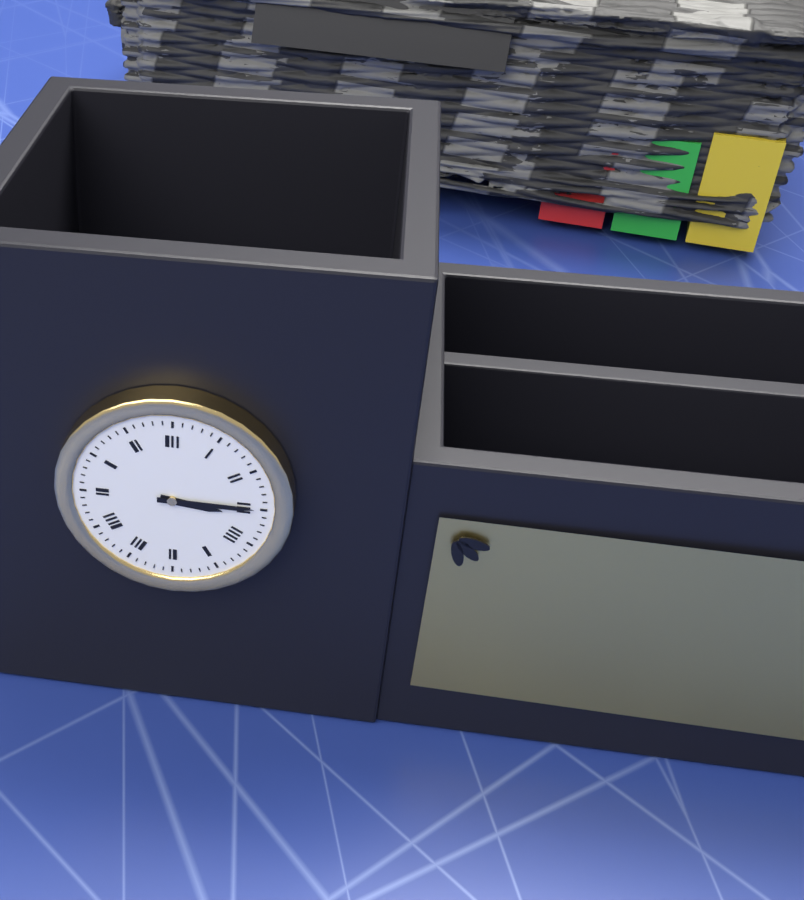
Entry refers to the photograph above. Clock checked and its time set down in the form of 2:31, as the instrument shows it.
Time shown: 3:15
